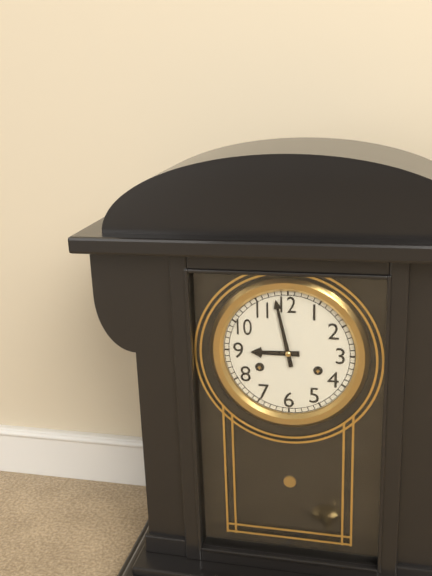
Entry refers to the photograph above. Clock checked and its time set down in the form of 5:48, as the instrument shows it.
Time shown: 8:58
